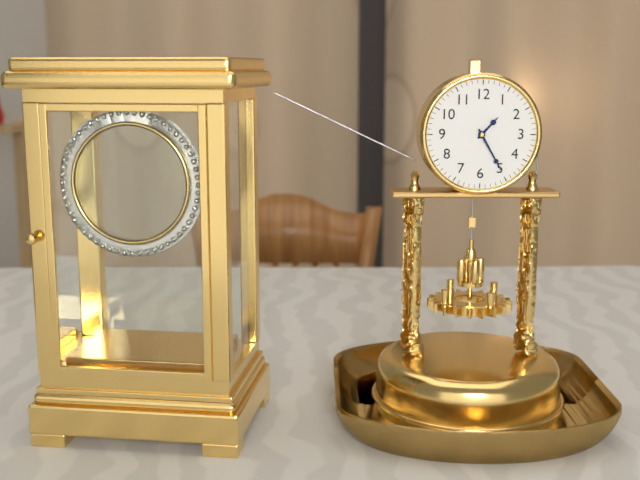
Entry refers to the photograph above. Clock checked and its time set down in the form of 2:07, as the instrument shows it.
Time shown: 1:25
